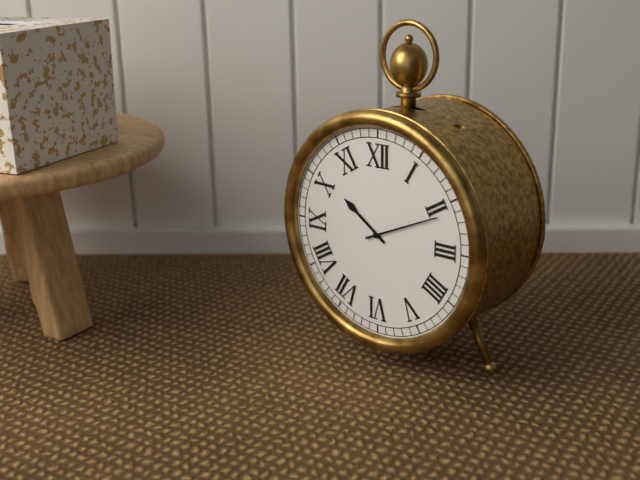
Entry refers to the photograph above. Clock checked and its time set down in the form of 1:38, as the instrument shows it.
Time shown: 10:11
